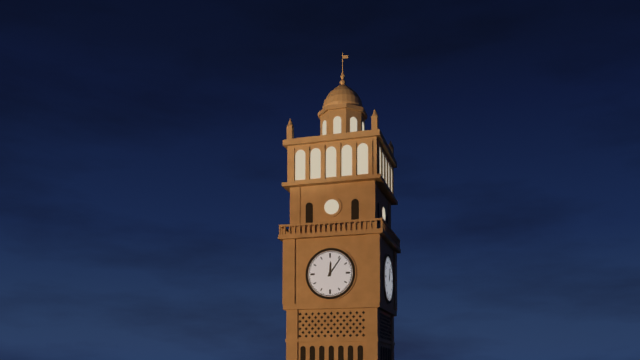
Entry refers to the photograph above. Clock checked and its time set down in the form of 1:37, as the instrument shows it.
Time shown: 12:06
